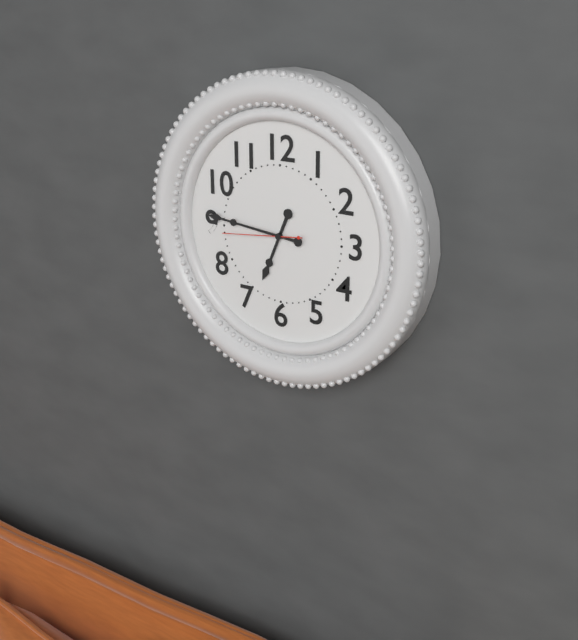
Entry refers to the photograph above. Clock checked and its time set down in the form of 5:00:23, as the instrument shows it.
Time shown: 6:46:44
